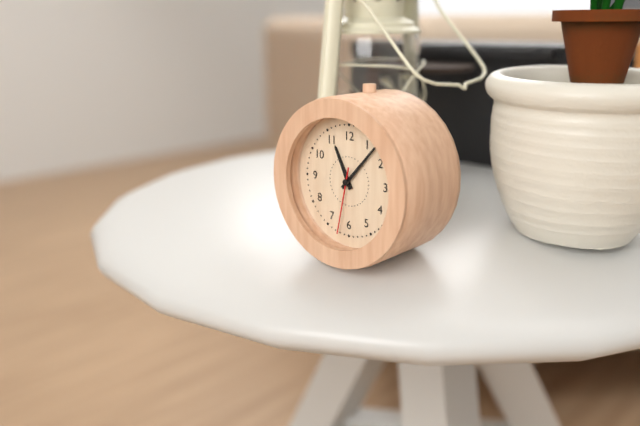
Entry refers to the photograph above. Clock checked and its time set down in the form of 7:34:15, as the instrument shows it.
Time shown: 11:07:32
